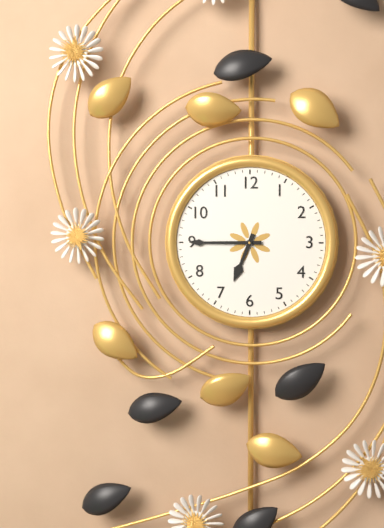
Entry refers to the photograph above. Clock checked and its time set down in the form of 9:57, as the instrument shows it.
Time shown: 6:45
